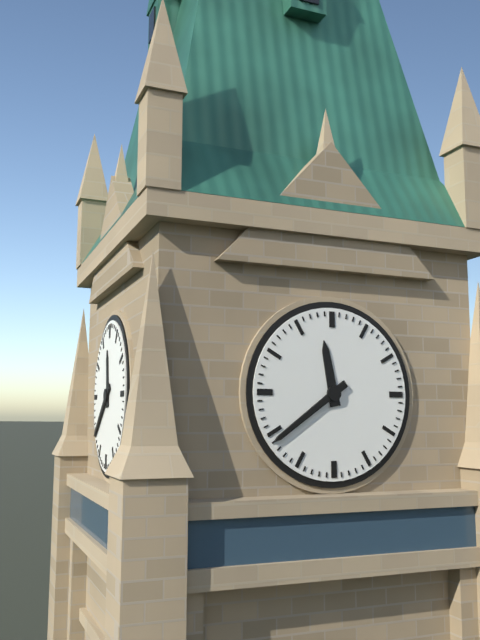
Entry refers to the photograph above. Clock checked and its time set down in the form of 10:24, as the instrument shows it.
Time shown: 11:39
